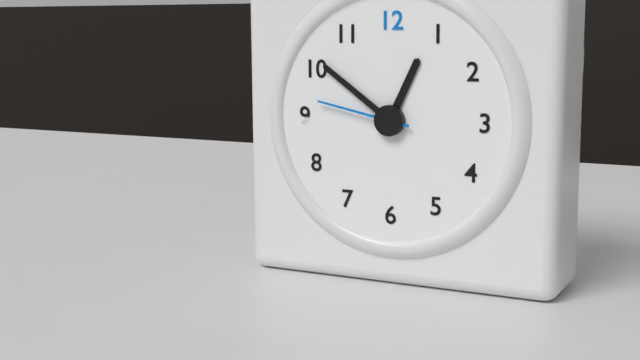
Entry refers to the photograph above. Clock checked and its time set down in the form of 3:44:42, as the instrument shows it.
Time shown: 12:51:47
